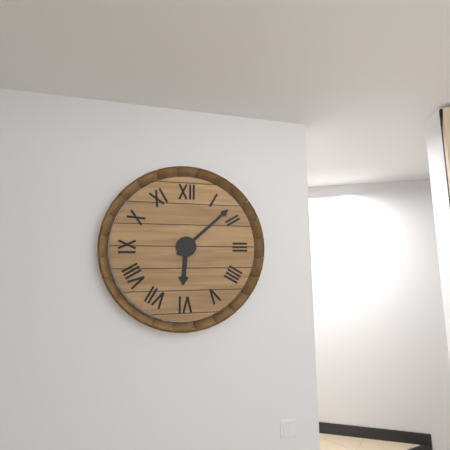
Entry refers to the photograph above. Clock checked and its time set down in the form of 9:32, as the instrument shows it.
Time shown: 6:08
